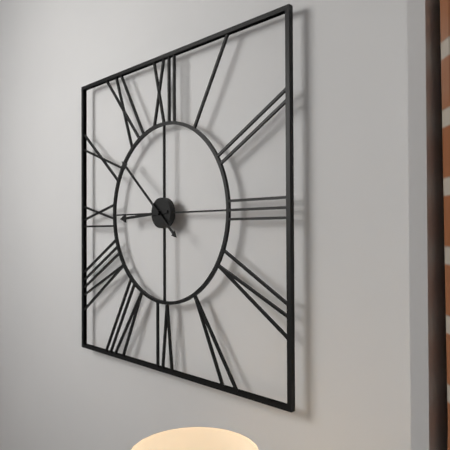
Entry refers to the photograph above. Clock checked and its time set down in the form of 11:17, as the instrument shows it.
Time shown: 8:52
